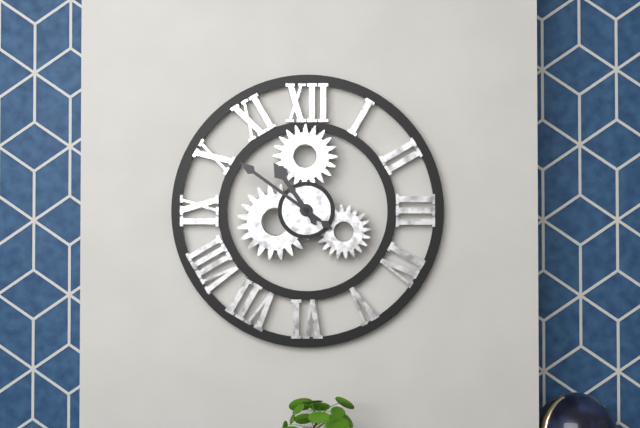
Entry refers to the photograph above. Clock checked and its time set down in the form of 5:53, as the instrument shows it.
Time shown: 10:51
